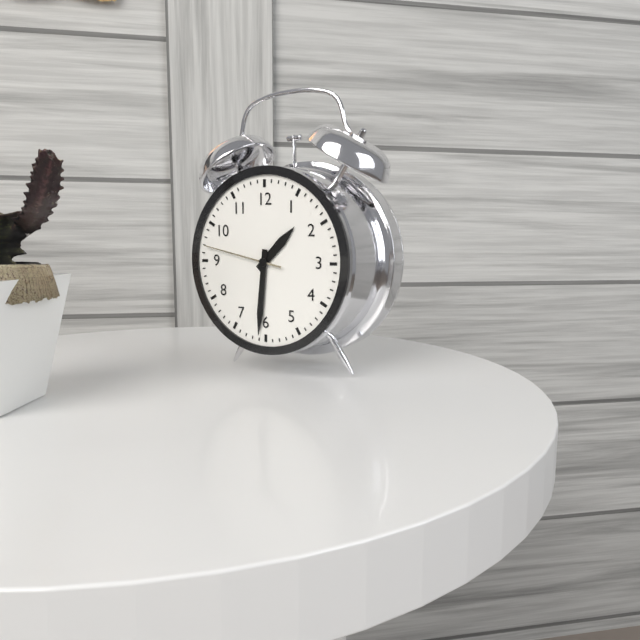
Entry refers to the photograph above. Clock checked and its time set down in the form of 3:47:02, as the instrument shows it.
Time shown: 1:31:47
